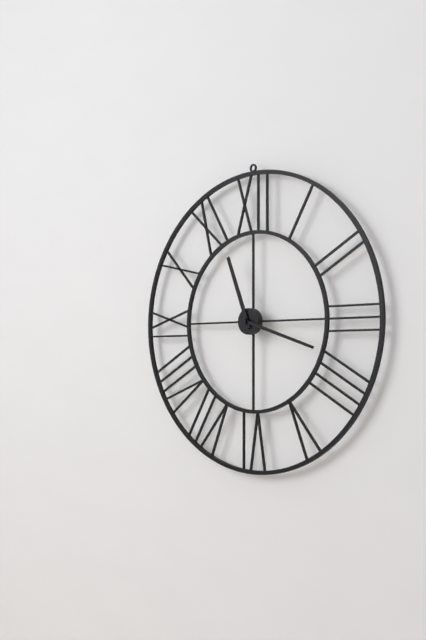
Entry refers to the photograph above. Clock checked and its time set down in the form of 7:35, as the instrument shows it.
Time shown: 11:18
